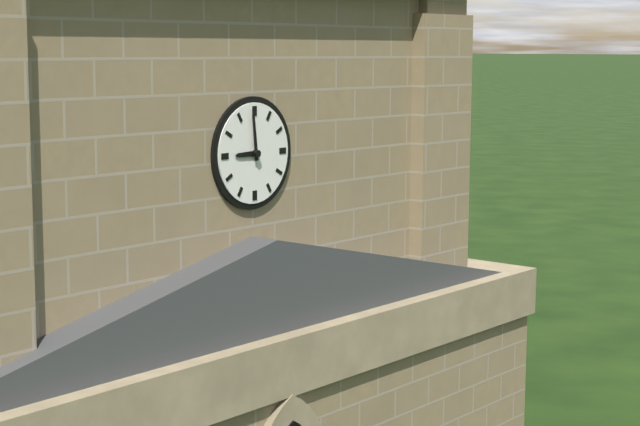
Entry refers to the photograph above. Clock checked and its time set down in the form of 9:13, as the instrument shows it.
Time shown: 8:59
